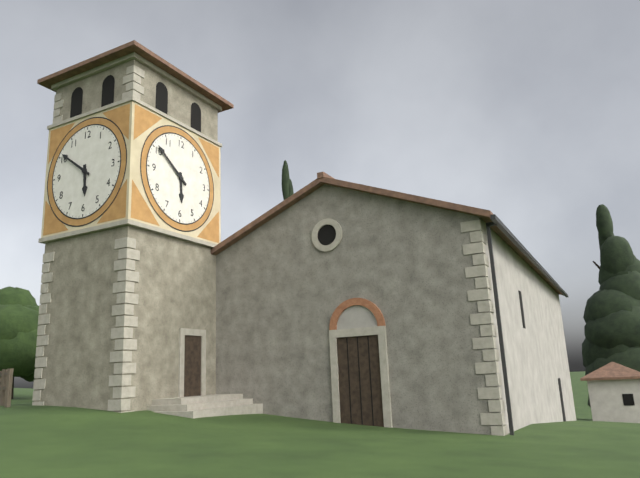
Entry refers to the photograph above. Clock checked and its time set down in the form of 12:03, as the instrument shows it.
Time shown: 5:51
